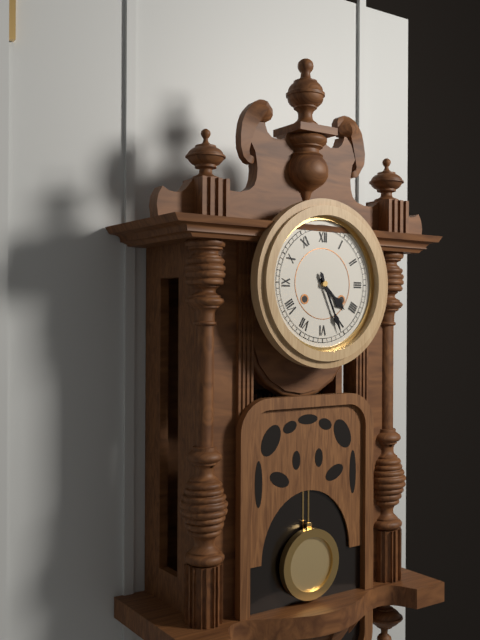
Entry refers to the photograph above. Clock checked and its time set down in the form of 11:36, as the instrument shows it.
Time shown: 4:26
